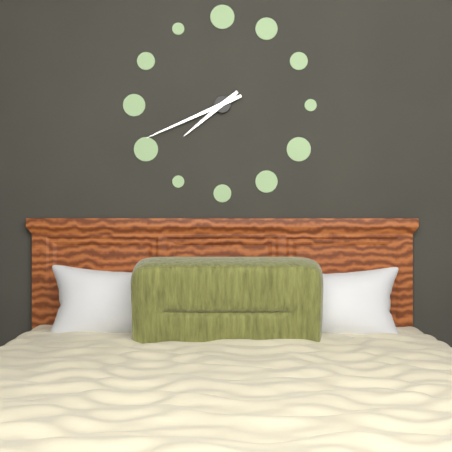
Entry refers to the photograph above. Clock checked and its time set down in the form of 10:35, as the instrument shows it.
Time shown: 7:41
